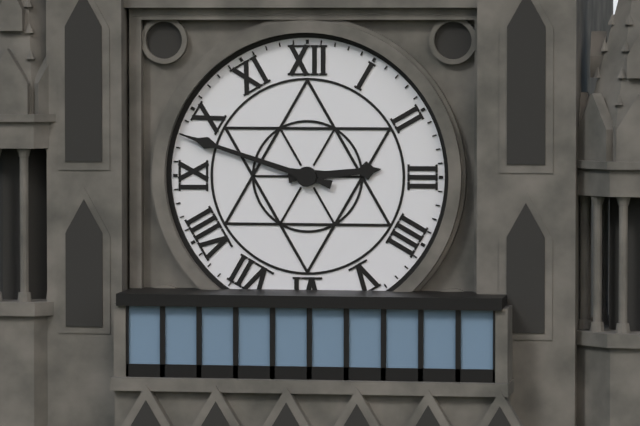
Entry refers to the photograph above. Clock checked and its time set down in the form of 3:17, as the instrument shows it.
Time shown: 2:48
